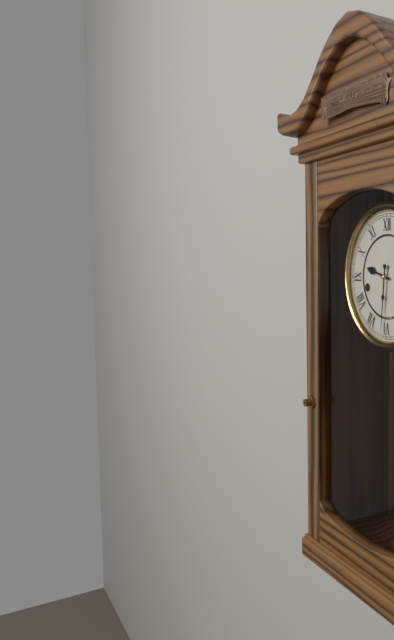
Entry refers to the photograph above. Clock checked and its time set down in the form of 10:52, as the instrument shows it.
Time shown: 9:31
